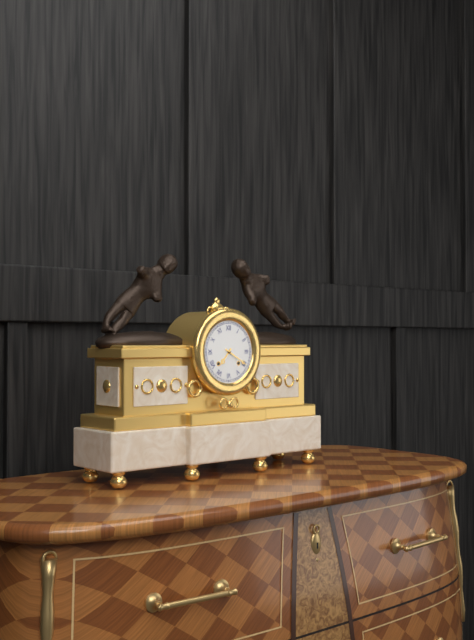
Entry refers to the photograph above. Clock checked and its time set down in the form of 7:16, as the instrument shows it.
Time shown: 7:20
